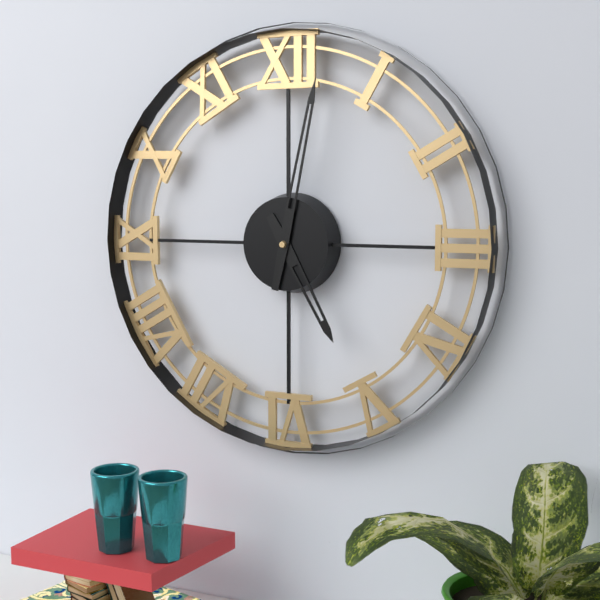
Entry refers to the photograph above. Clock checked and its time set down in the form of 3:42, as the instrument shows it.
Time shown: 5:02
